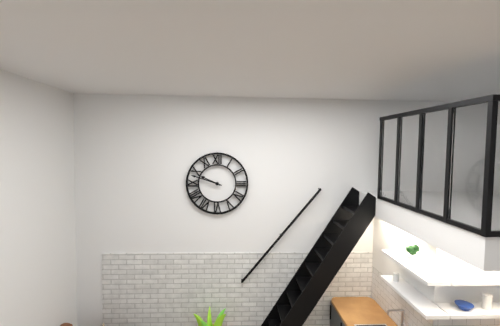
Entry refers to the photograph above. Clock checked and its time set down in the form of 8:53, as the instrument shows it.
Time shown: 9:48
